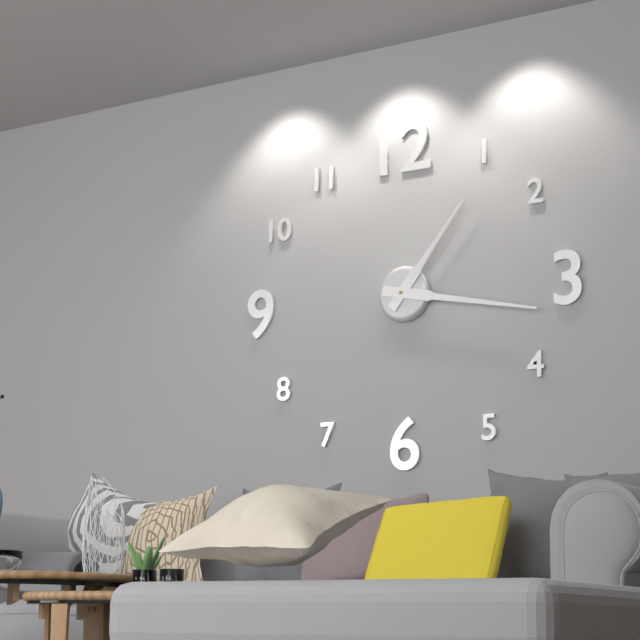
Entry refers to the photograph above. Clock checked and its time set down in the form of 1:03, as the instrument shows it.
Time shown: 1:17
